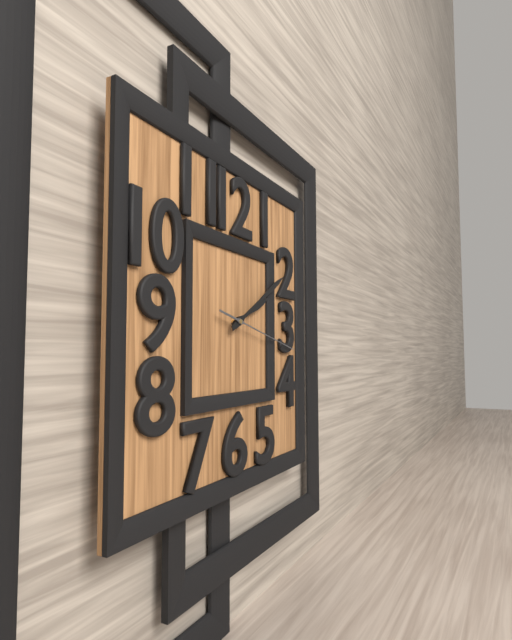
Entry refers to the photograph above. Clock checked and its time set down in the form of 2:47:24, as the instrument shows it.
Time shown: 2:10:17
